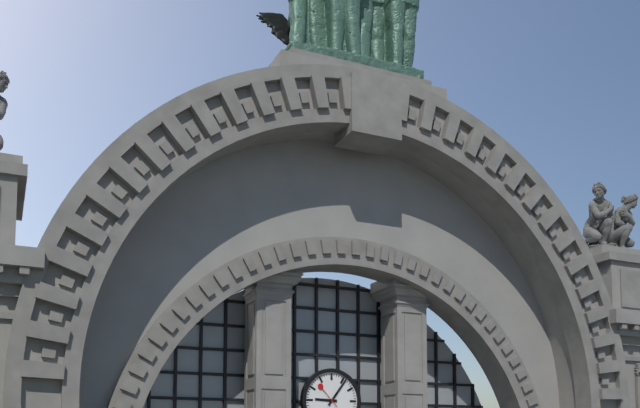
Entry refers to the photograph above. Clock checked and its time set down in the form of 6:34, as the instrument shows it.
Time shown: 9:06
